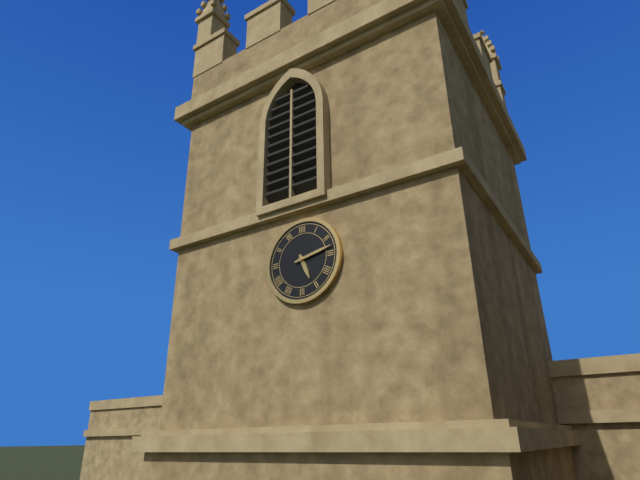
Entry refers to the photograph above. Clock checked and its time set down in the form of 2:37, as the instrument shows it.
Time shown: 5:13
